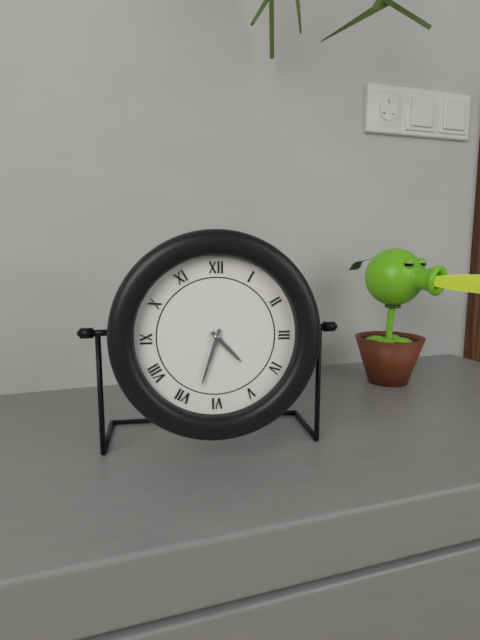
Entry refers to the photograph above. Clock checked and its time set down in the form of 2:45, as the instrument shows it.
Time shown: 4:33
